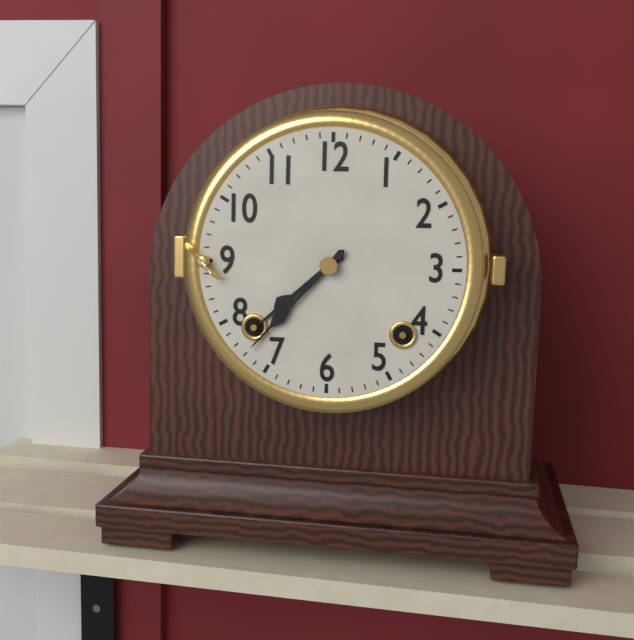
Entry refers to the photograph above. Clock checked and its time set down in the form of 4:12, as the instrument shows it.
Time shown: 7:37
